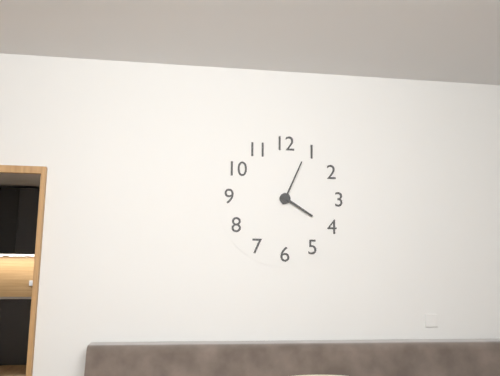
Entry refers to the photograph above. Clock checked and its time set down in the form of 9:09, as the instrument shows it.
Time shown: 4:04
